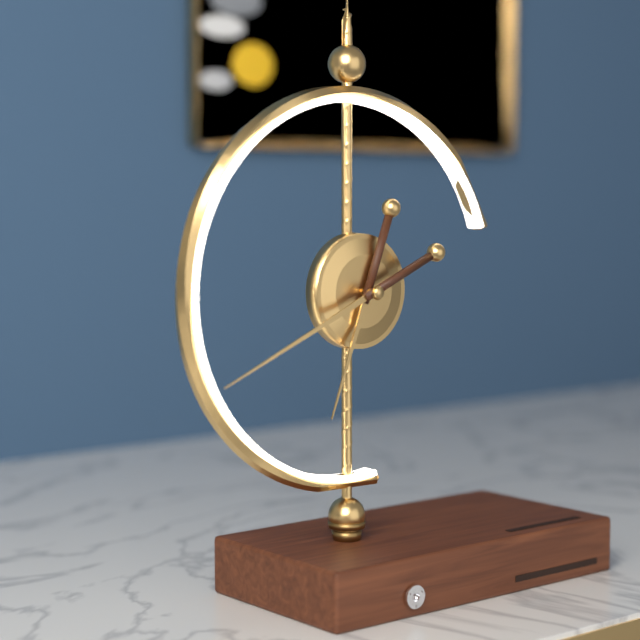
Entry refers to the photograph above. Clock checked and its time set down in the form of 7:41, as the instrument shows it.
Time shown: 6:41
